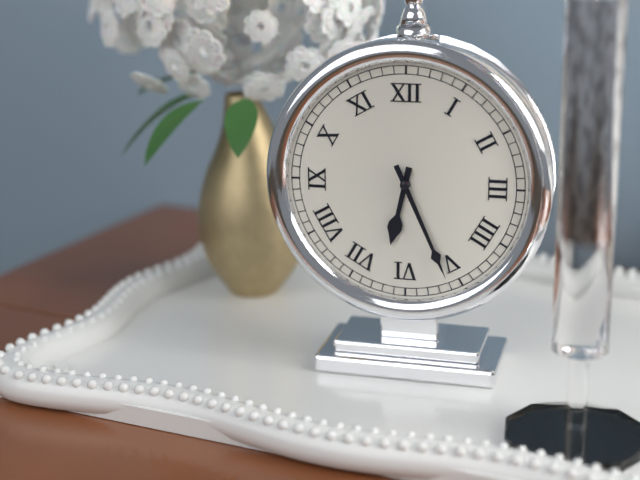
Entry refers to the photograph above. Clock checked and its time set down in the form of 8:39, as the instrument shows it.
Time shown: 6:26
